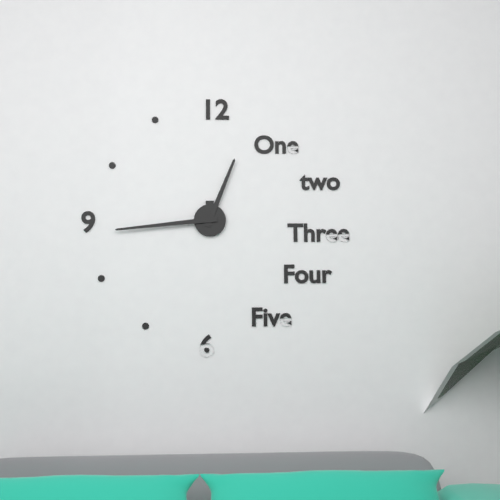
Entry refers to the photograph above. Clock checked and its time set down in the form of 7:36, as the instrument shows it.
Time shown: 12:44
